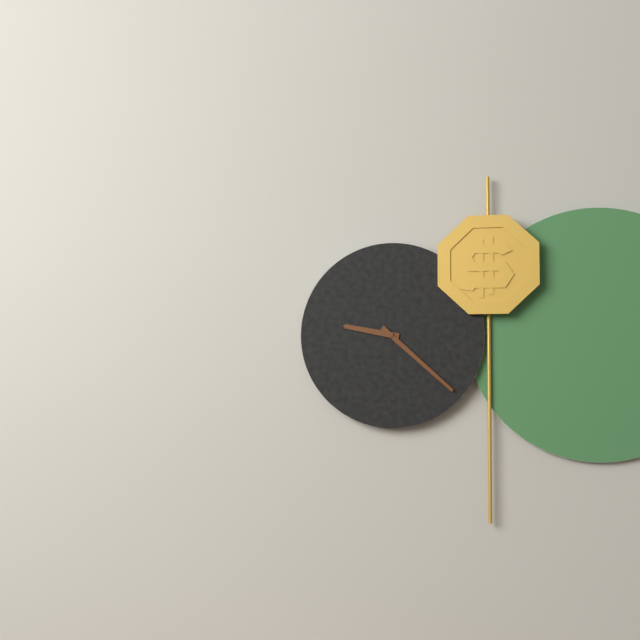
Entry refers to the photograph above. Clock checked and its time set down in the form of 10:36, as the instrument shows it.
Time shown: 9:22
